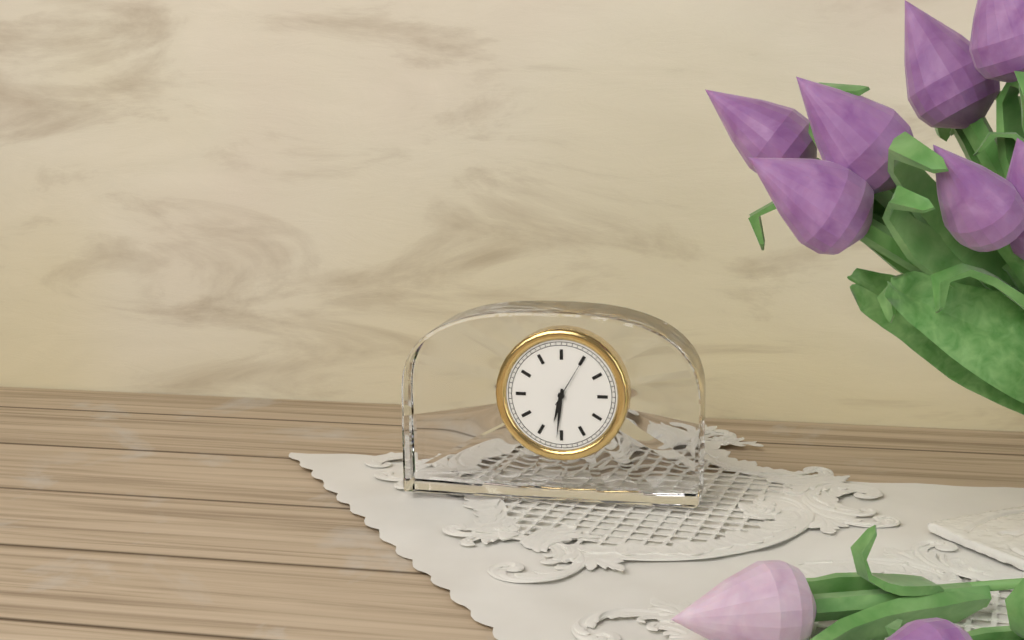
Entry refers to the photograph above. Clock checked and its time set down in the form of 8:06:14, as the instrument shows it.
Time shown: 6:31:05
